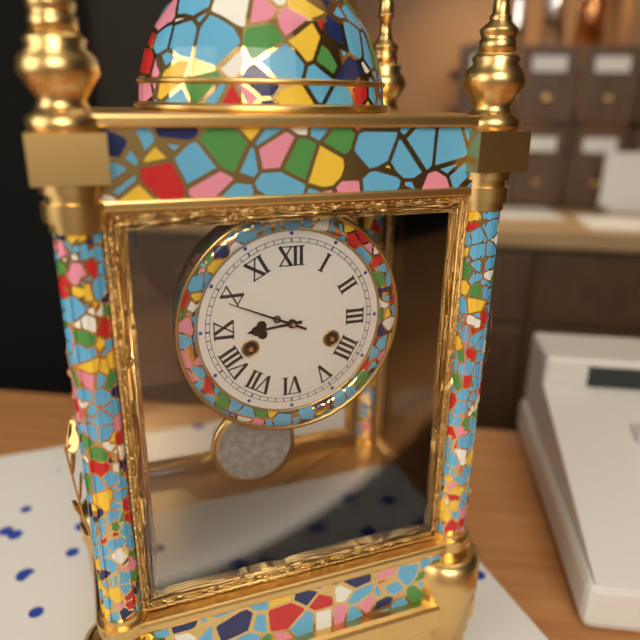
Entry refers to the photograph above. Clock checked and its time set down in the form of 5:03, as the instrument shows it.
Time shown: 8:49
